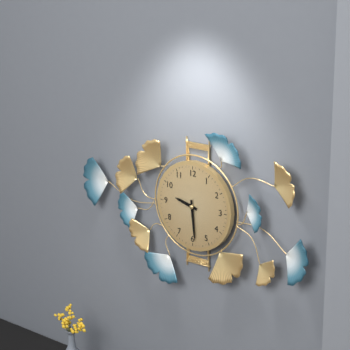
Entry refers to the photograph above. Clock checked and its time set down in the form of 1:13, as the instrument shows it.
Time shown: 9:29
